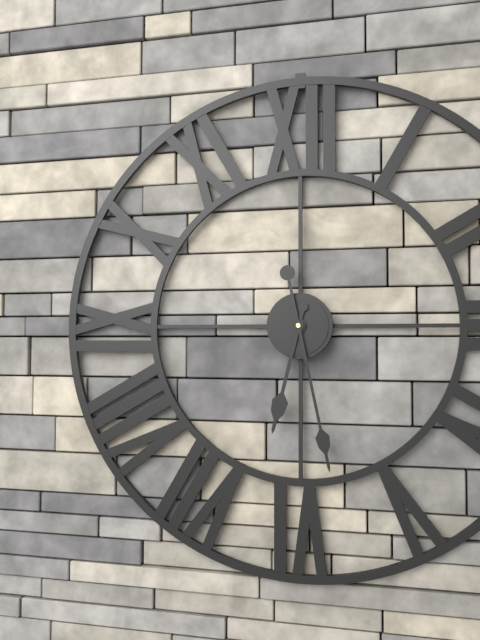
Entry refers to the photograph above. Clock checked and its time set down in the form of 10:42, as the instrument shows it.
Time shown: 6:28
